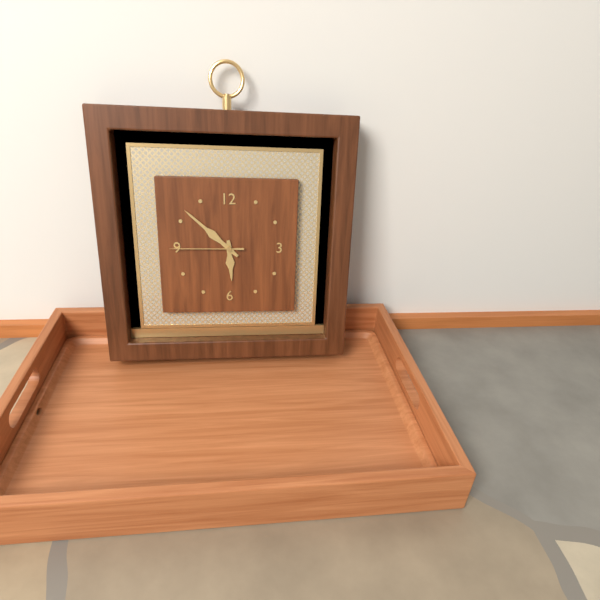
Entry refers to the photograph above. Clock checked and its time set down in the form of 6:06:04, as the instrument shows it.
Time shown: 5:52:45
